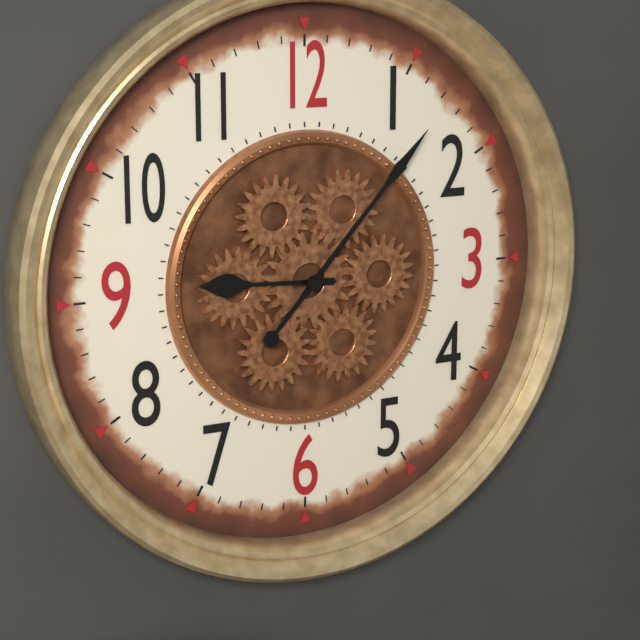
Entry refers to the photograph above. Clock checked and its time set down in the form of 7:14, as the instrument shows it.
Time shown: 9:07
